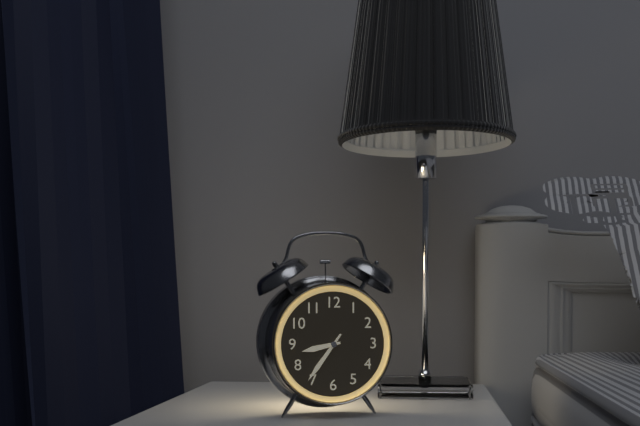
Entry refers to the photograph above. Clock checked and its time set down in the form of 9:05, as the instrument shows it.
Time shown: 8:36
